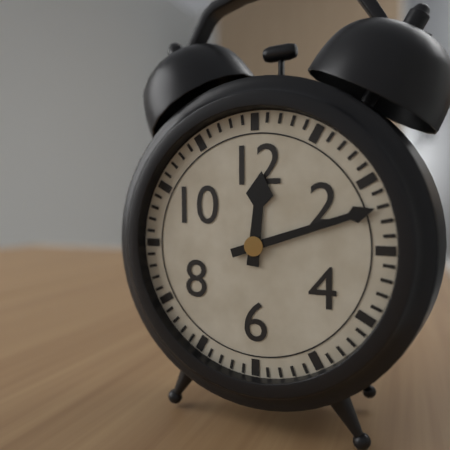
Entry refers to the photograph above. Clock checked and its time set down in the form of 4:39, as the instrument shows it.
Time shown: 12:12
